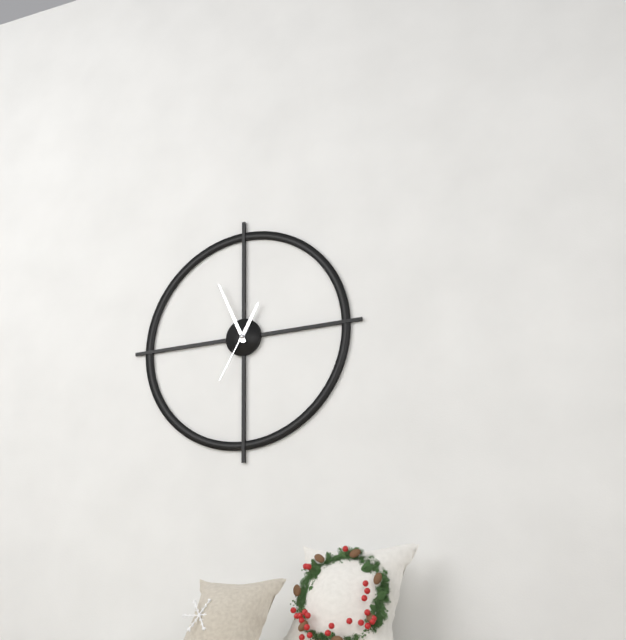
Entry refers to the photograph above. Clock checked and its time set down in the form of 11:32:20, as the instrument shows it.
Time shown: 12:56:35
